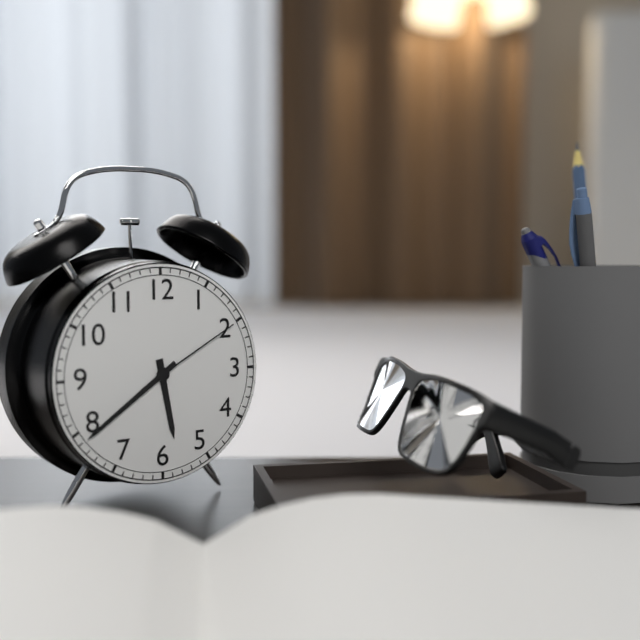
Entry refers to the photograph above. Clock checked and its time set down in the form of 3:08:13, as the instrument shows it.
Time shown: 5:39:10
